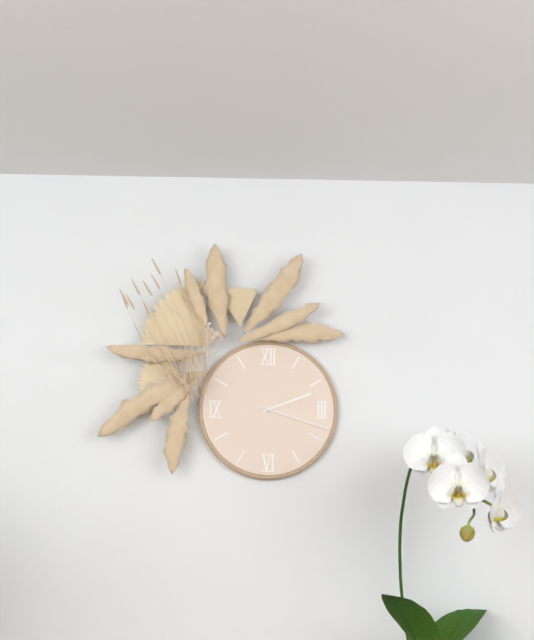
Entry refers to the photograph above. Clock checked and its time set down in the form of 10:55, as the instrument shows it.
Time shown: 2:18
